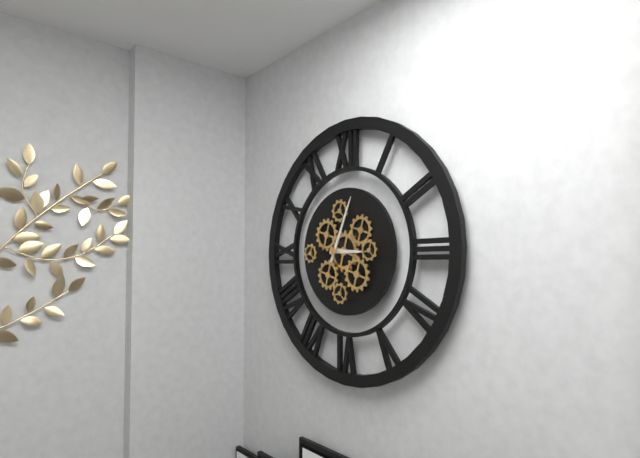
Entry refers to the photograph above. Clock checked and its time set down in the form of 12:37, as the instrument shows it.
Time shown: 3:04
